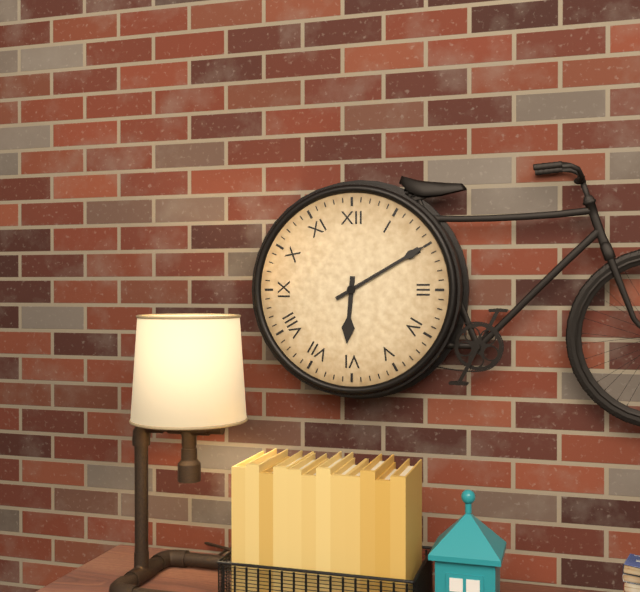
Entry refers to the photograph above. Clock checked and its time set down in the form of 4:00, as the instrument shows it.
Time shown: 6:10
